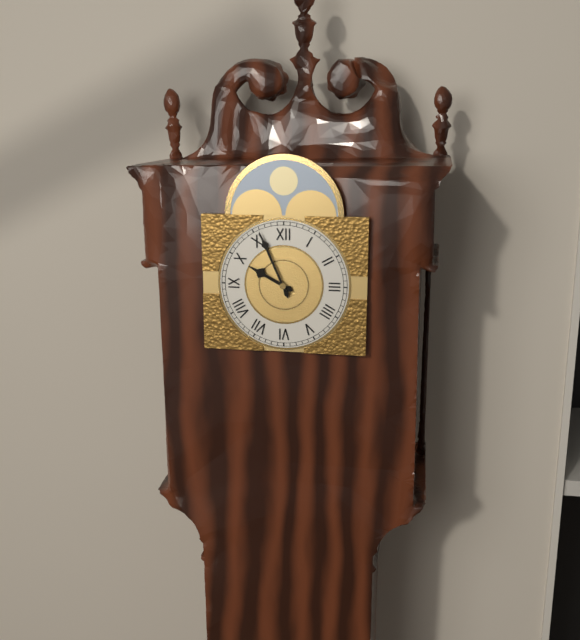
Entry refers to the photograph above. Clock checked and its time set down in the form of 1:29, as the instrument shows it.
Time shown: 9:56
